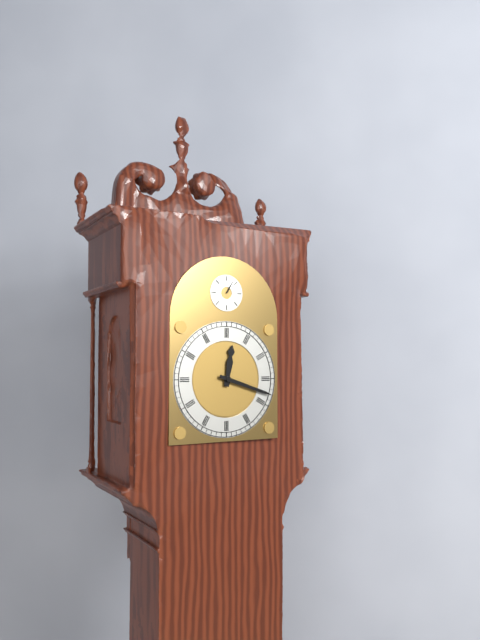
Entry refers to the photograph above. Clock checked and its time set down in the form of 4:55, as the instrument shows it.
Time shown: 12:18
